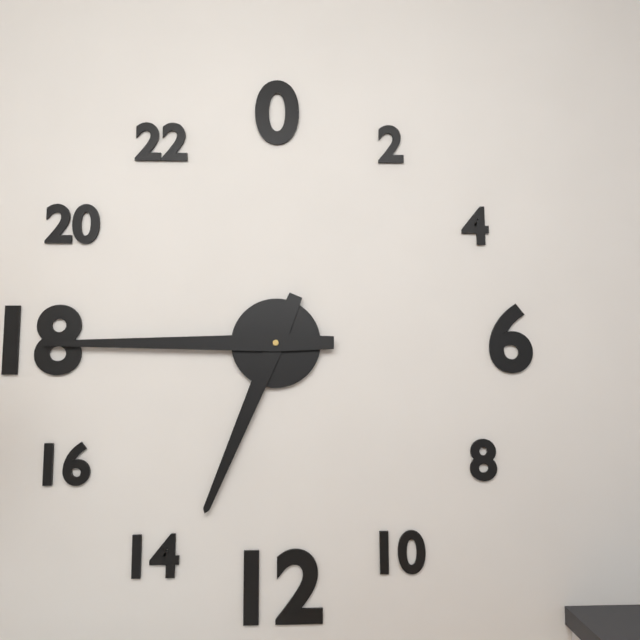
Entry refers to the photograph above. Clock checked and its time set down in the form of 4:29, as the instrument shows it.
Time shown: 6:45
